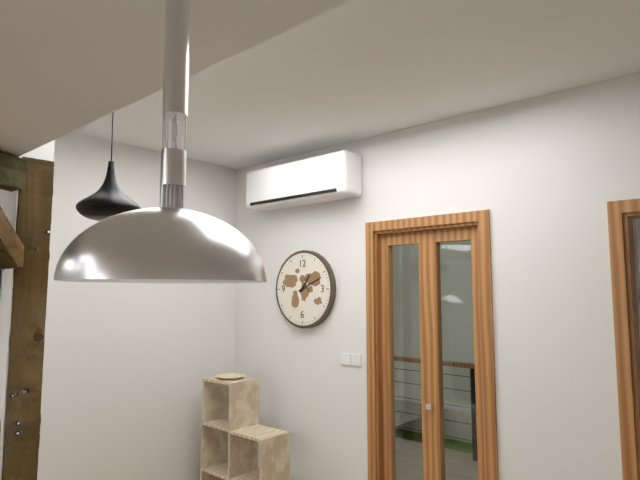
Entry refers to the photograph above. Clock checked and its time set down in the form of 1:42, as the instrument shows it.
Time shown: 1:11
